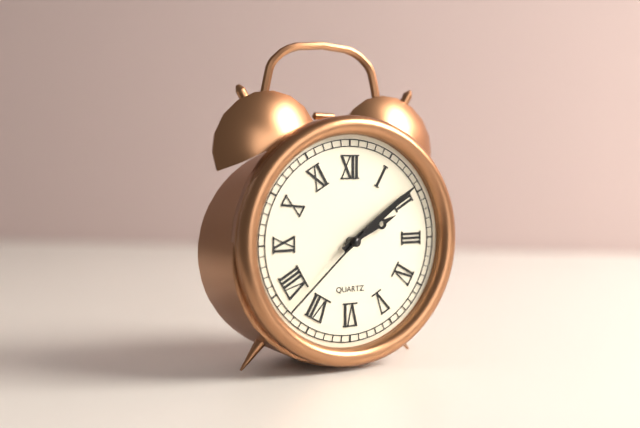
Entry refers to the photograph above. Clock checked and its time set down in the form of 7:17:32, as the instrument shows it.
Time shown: 2:09:38
